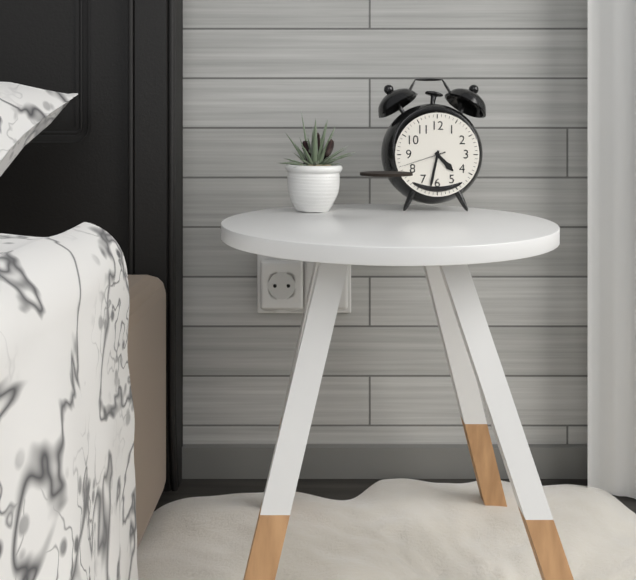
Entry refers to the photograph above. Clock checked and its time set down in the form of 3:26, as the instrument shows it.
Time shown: 4:32
